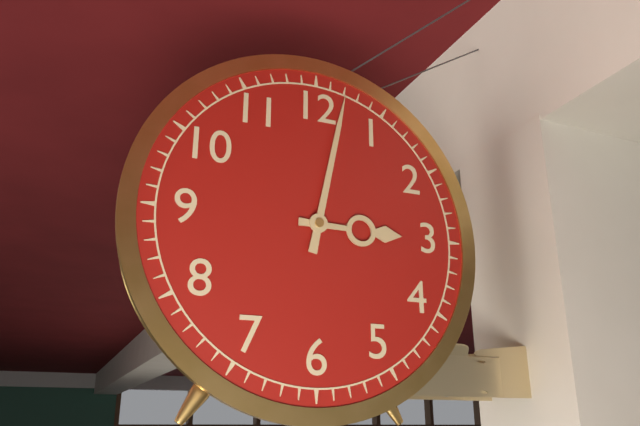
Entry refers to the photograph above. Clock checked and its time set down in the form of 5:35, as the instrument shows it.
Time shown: 3:02
